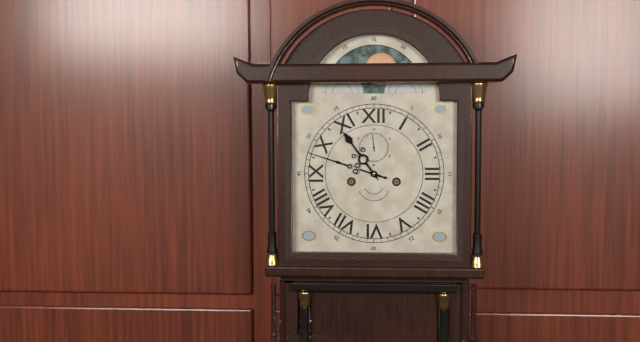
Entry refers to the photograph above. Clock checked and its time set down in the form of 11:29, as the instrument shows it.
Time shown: 10:48
